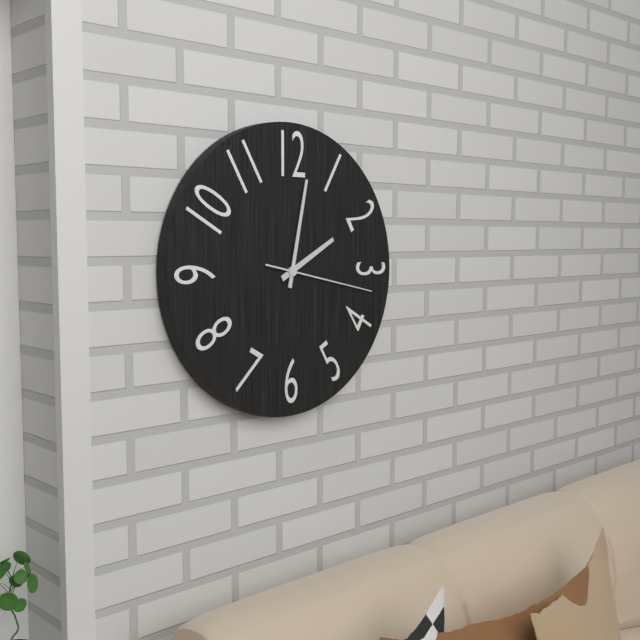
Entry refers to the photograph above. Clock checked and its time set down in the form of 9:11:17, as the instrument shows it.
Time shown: 2:02:17
